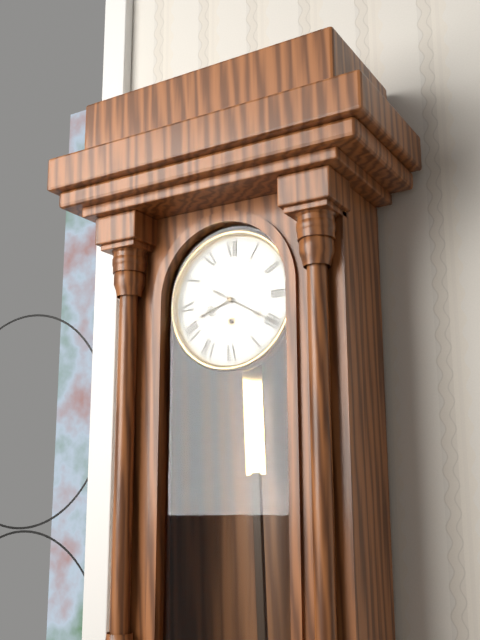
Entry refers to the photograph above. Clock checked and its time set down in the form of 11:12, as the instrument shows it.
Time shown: 8:20
